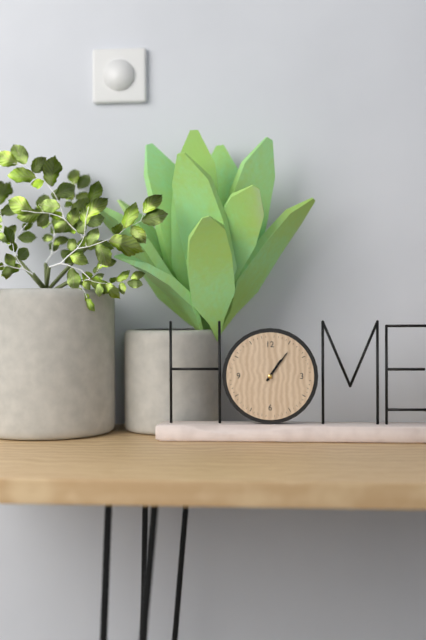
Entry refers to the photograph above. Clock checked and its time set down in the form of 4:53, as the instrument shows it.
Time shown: 1:06
